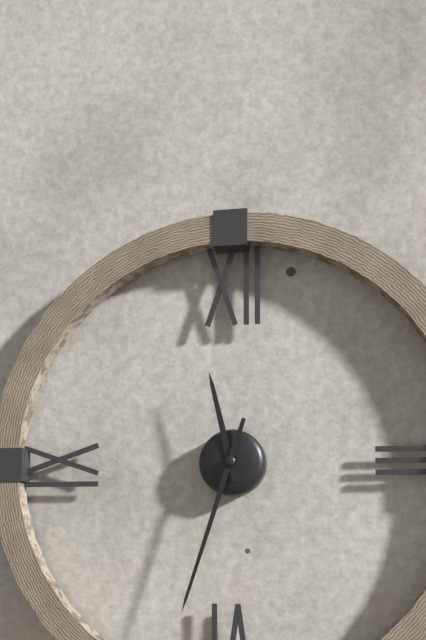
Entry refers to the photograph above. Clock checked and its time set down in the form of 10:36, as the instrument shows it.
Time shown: 11:33
